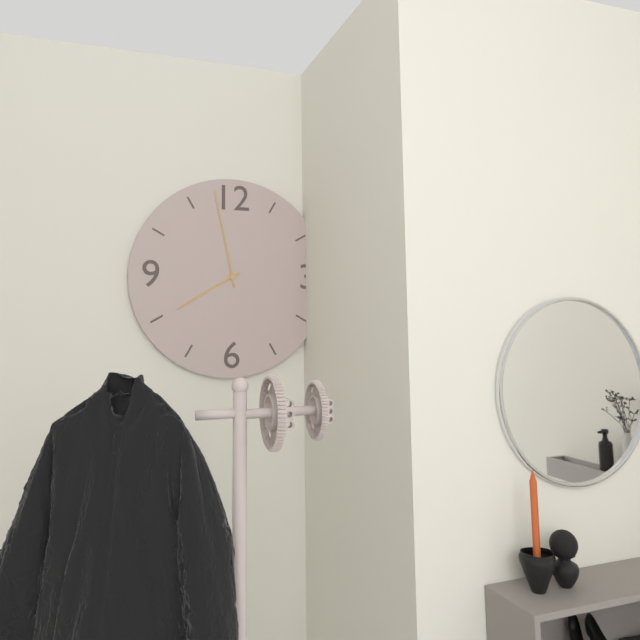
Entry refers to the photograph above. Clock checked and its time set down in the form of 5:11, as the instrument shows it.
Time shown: 7:58
